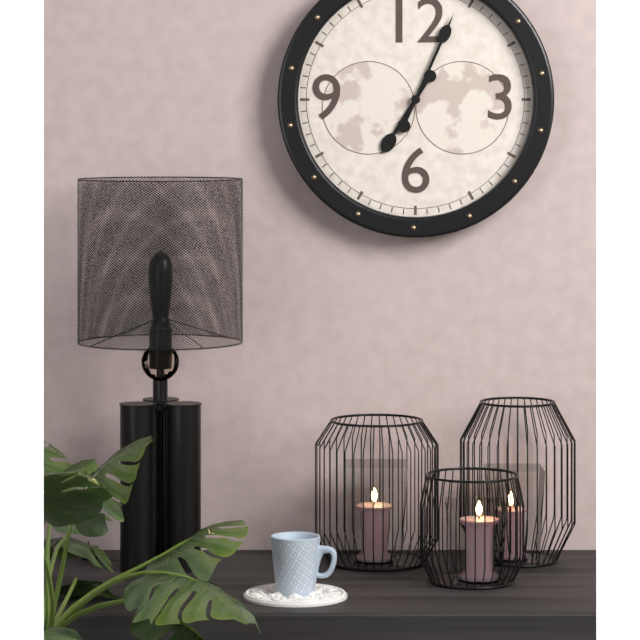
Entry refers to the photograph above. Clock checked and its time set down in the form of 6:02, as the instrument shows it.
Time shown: 7:04
